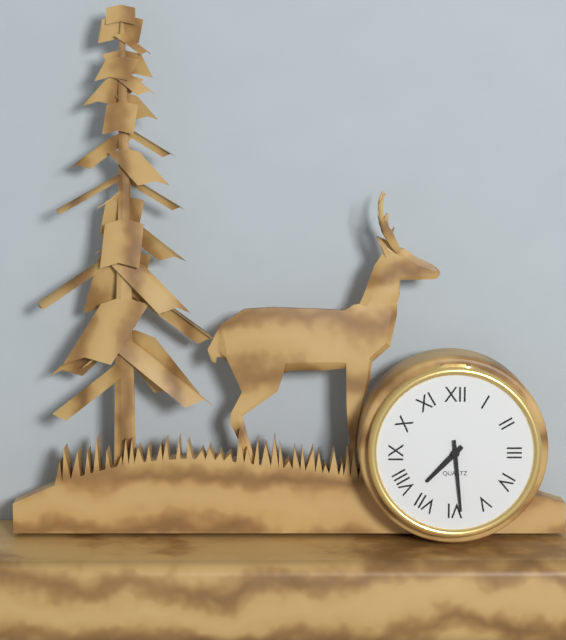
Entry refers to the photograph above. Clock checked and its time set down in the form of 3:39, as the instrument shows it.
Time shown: 7:29
